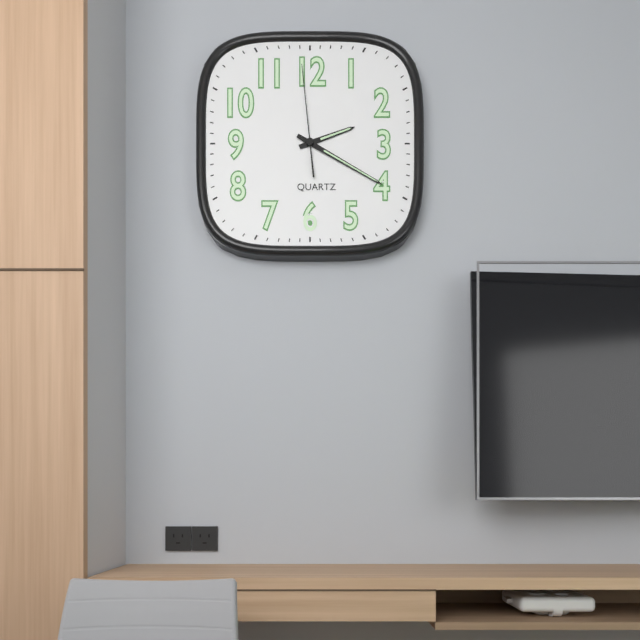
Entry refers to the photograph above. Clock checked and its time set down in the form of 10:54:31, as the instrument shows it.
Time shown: 2:20:59
